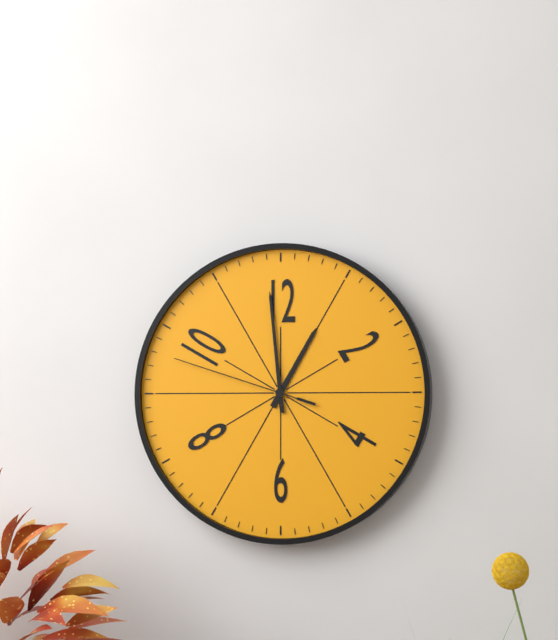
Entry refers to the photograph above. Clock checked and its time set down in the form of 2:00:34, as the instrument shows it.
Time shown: 12:59:48
